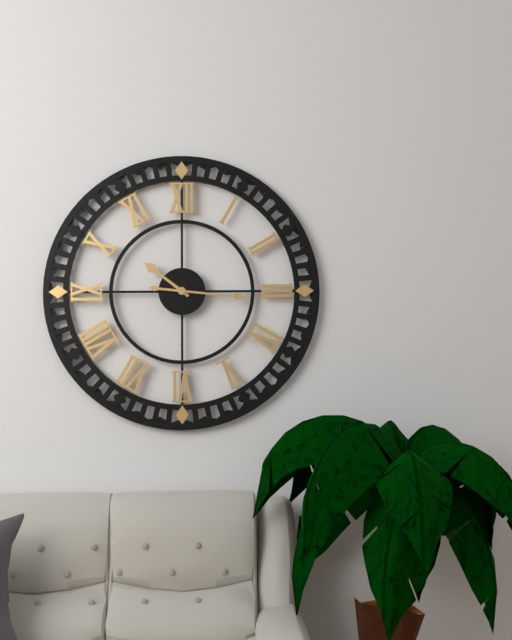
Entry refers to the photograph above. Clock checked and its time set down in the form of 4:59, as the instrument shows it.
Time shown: 10:16
